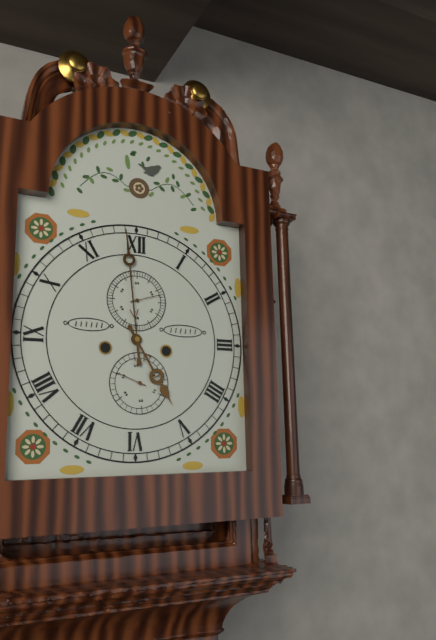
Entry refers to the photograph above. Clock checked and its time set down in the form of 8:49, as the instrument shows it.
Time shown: 4:59
